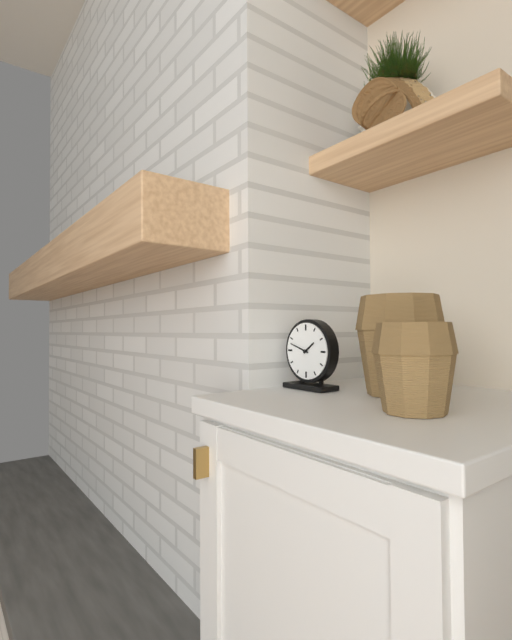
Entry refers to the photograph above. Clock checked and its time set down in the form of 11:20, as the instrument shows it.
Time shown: 1:48
